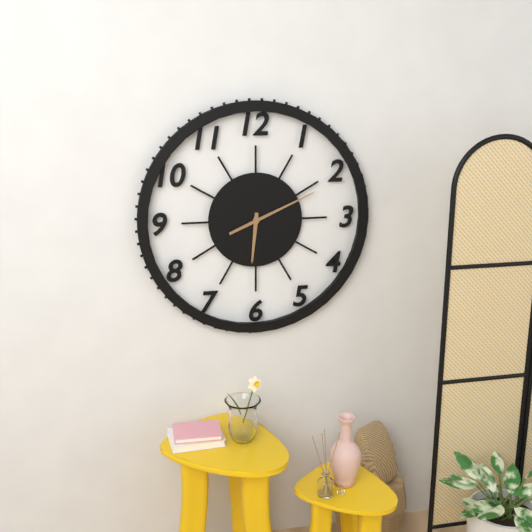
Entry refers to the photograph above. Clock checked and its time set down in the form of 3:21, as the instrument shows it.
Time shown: 6:11
